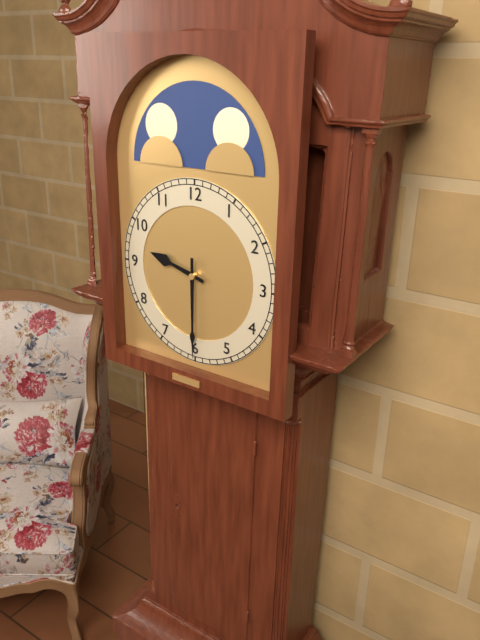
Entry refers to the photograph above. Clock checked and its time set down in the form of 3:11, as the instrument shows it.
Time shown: 9:30
